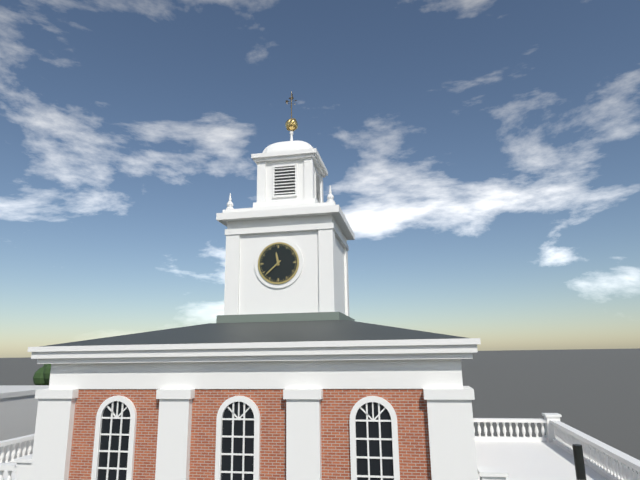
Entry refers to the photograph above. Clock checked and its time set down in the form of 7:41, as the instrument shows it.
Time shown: 11:38
